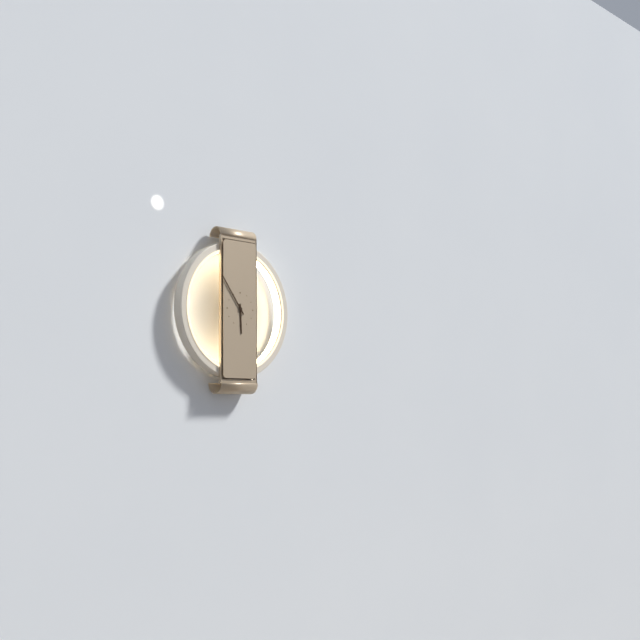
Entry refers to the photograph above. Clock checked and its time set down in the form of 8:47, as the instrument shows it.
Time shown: 5:54
